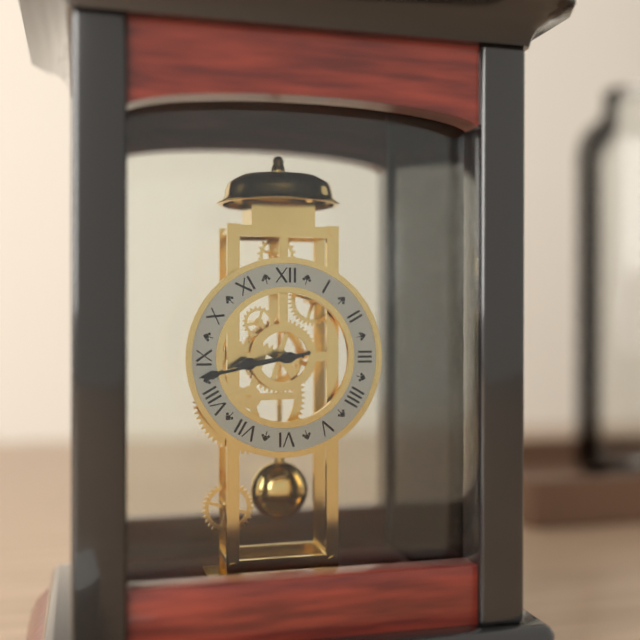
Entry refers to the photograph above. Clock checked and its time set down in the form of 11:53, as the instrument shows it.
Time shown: 8:43
